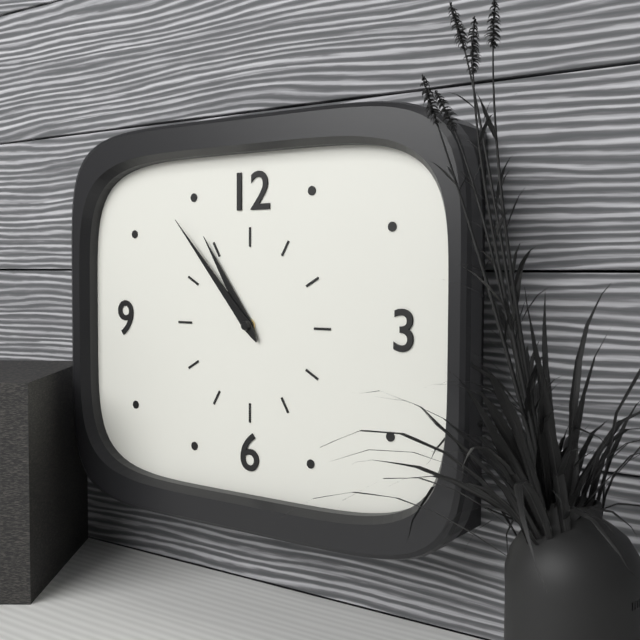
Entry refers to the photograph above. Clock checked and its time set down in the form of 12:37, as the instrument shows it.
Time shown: 10:53
